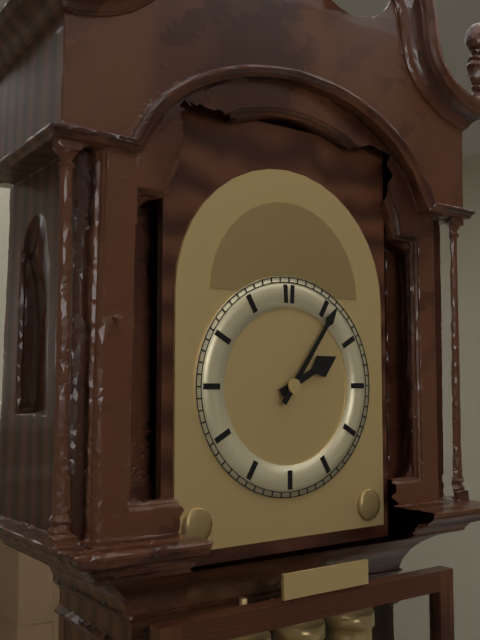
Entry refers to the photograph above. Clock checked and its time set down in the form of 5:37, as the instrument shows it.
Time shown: 2:06
